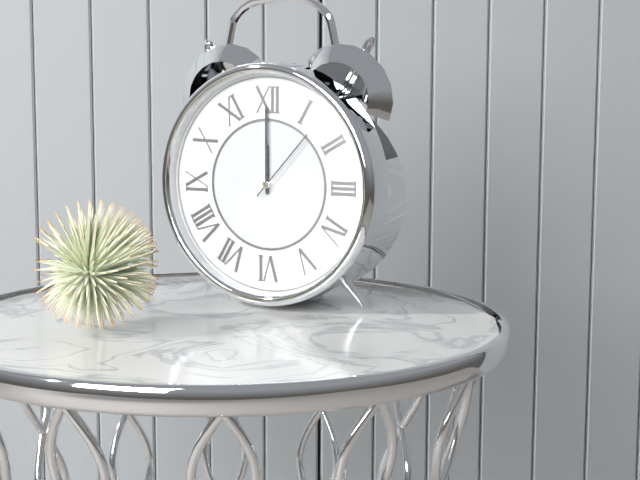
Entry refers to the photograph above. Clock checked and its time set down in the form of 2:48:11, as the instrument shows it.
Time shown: 12:00:07
